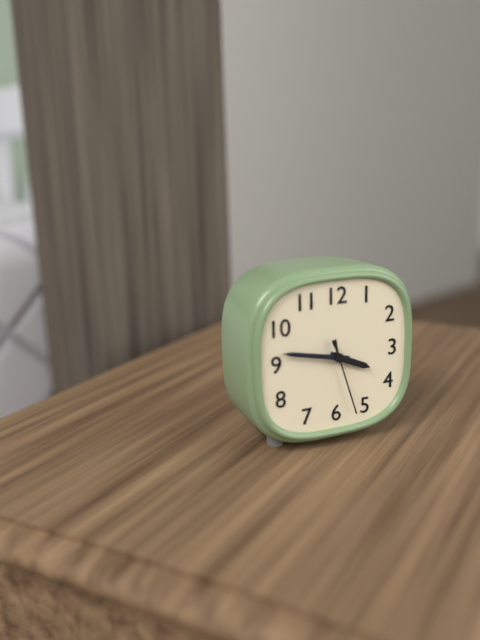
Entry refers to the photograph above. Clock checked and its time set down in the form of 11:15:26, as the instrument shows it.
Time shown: 3:47:27
